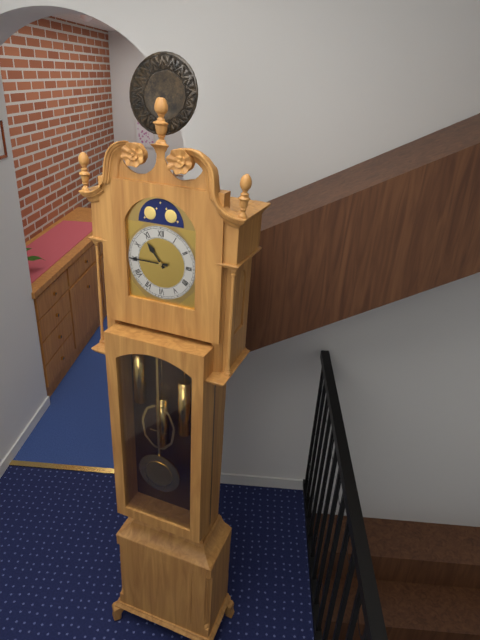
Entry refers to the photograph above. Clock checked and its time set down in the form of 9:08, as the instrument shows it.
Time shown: 10:45
